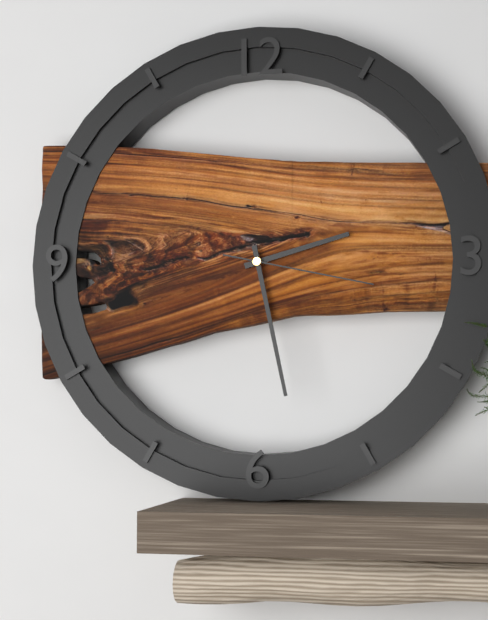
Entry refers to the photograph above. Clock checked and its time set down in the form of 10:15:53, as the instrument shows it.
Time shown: 2:28:17
